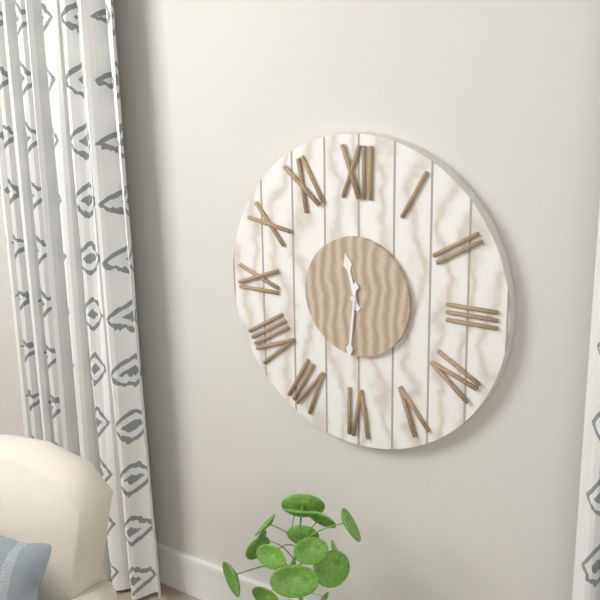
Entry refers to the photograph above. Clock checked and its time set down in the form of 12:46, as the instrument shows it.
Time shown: 11:31
